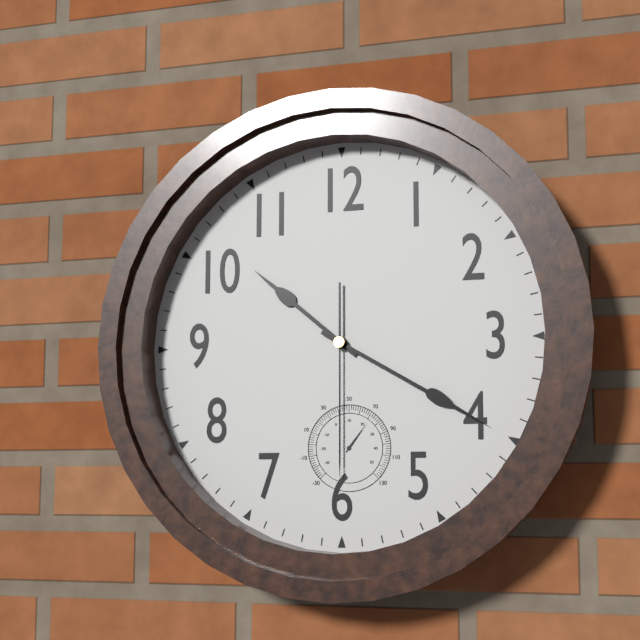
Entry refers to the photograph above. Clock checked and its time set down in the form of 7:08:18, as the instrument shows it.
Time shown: 10:20:30
